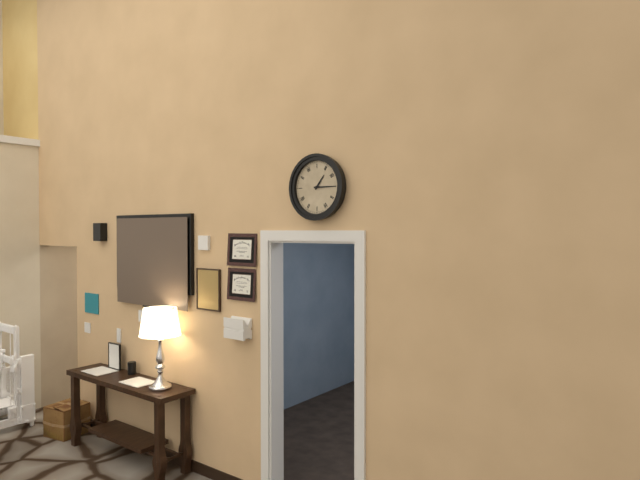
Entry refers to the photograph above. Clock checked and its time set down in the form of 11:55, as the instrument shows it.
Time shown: 1:15
